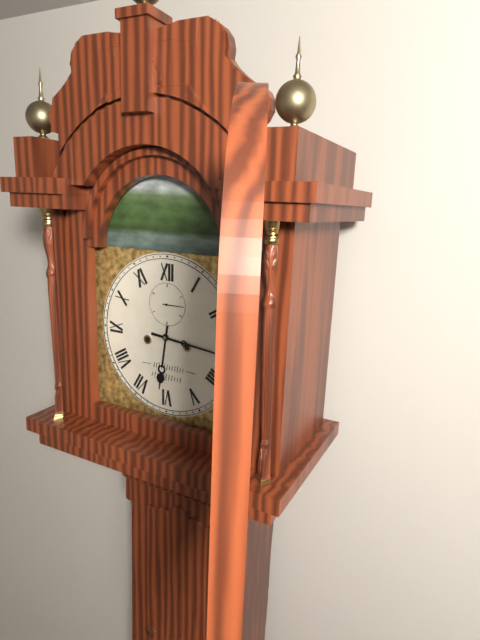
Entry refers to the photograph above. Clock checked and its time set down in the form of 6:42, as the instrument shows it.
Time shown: 6:16
